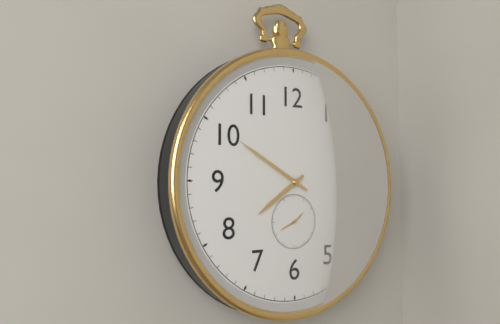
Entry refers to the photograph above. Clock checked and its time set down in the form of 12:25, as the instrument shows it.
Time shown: 7:50
